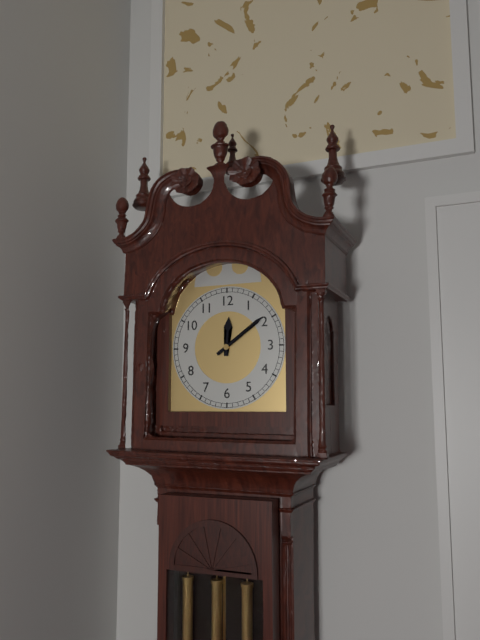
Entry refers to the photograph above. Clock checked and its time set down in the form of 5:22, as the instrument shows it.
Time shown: 12:09
